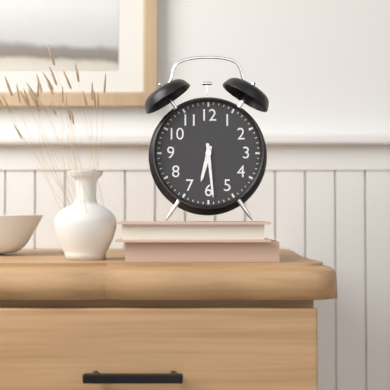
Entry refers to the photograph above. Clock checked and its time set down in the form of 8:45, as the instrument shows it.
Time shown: 6:29
